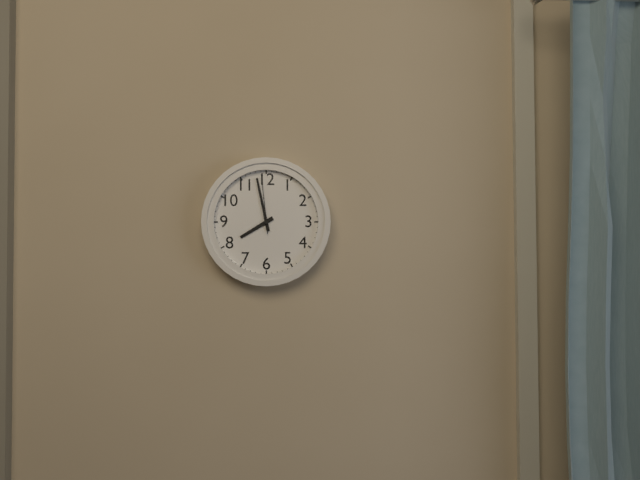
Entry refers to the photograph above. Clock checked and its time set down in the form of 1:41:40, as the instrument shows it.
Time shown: 7:58:59
